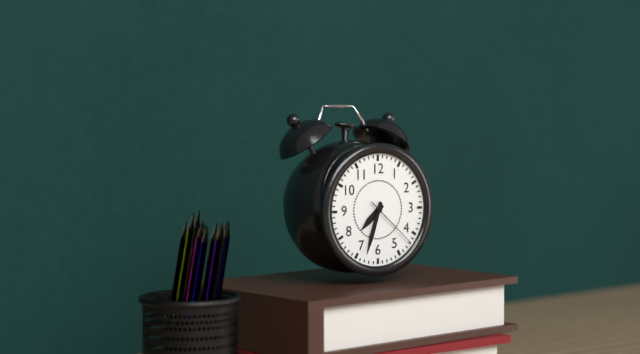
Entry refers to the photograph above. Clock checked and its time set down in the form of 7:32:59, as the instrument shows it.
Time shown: 7:33:22
